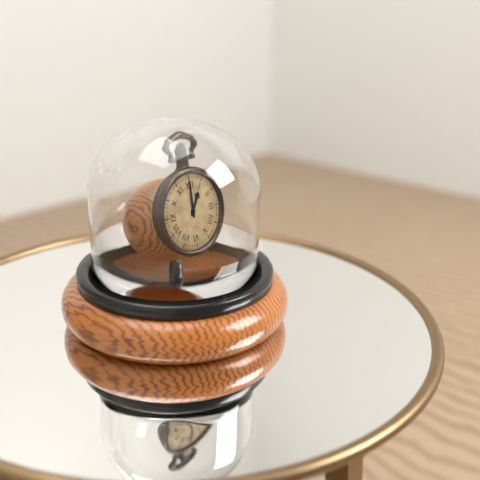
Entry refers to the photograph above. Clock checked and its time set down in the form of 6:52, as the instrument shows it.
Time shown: 1:00
